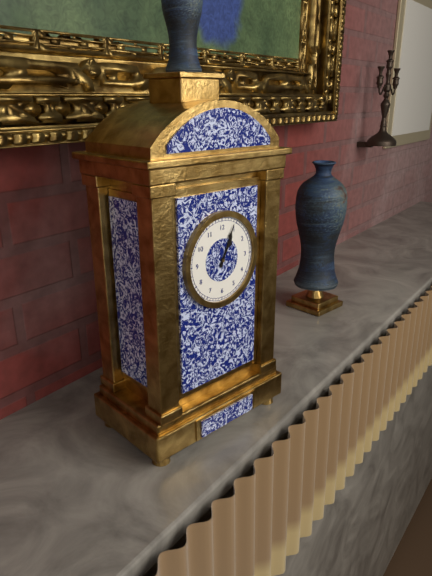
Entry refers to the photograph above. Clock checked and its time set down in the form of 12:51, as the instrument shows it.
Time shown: 1:04
